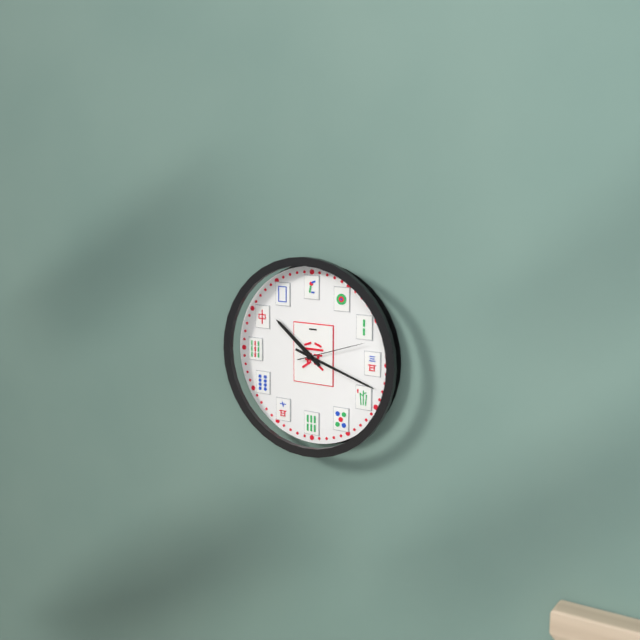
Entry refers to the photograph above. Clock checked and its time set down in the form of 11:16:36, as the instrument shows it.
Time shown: 10:18:12
